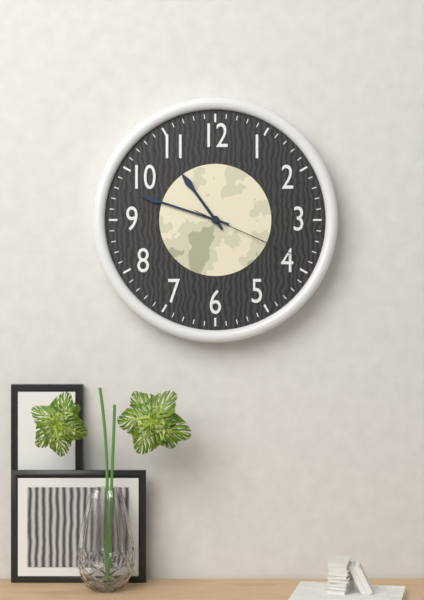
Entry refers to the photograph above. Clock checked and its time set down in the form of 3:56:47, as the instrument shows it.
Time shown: 10:48:19
